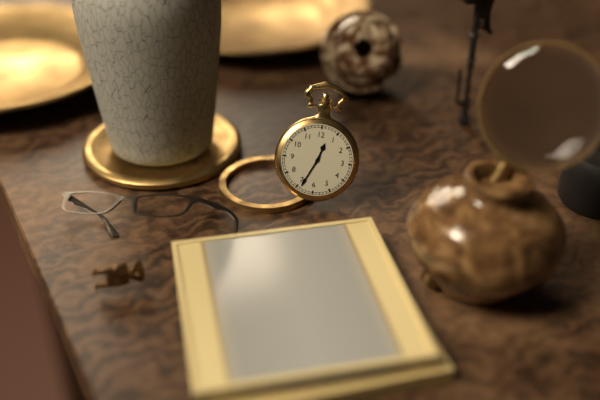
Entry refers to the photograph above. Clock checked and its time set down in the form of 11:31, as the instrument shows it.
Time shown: 12:34
